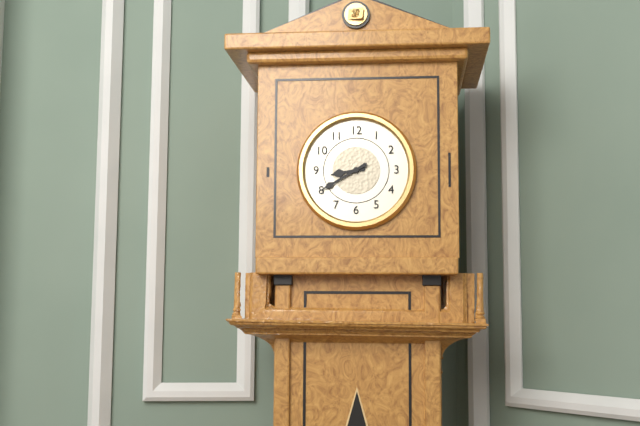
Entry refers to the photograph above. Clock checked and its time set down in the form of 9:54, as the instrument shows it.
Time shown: 8:40
